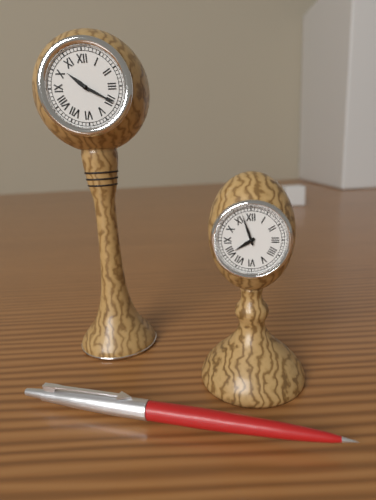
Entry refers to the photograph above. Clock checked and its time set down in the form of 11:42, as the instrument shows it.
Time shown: 10:20
